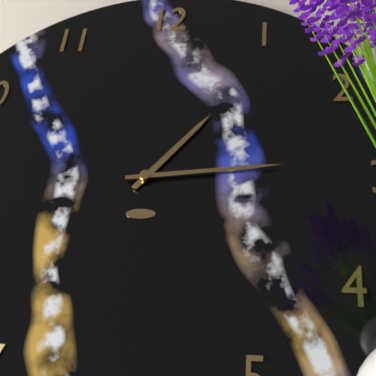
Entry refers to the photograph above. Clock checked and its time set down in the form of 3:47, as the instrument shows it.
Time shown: 1:14
